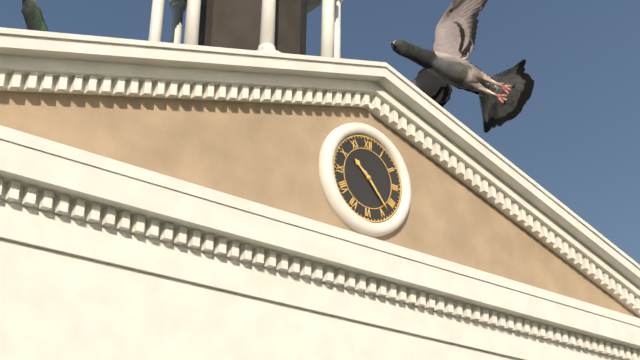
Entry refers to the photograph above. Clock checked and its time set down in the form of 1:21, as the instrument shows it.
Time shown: 10:23
